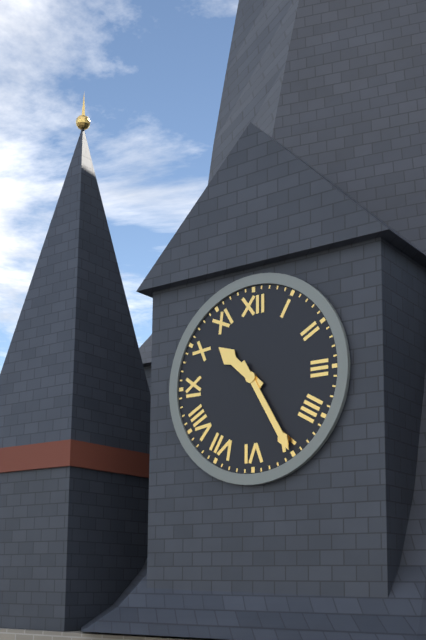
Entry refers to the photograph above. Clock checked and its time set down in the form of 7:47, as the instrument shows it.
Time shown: 10:25
